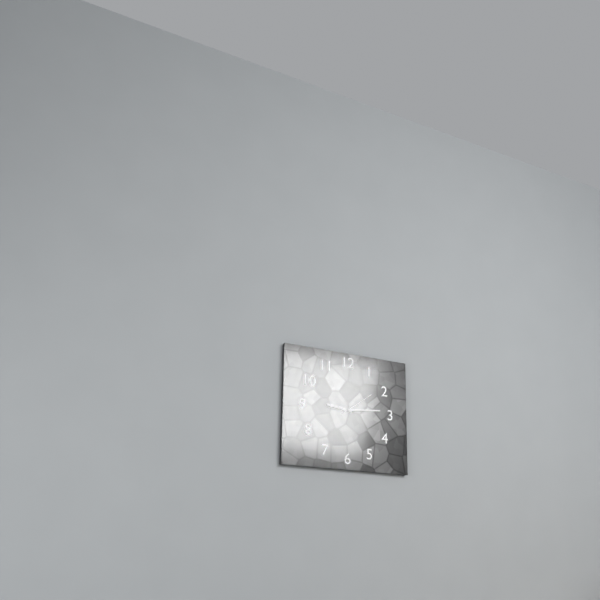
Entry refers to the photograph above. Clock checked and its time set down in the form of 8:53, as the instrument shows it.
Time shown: 9:14
